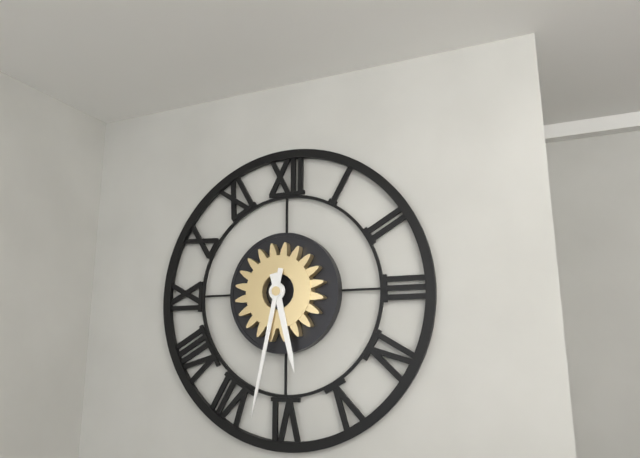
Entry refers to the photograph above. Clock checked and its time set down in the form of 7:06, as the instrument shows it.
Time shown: 5:32
